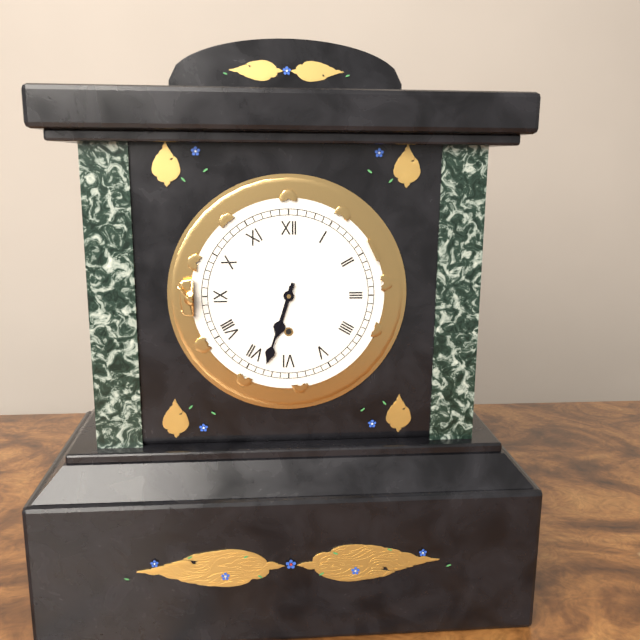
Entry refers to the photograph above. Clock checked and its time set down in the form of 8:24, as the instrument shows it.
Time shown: 6:33
